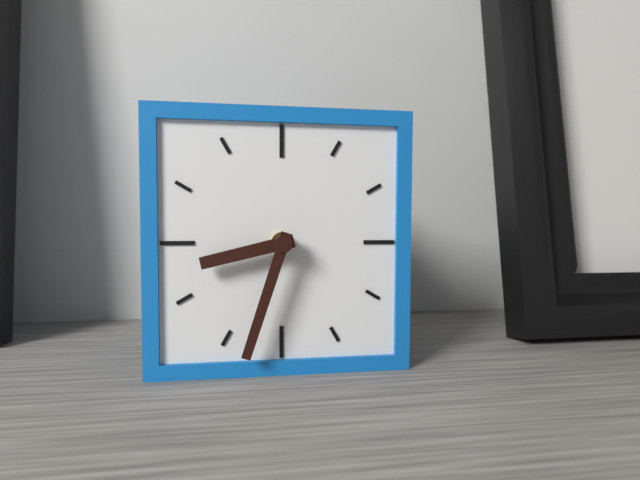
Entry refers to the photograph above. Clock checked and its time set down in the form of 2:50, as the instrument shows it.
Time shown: 8:33
